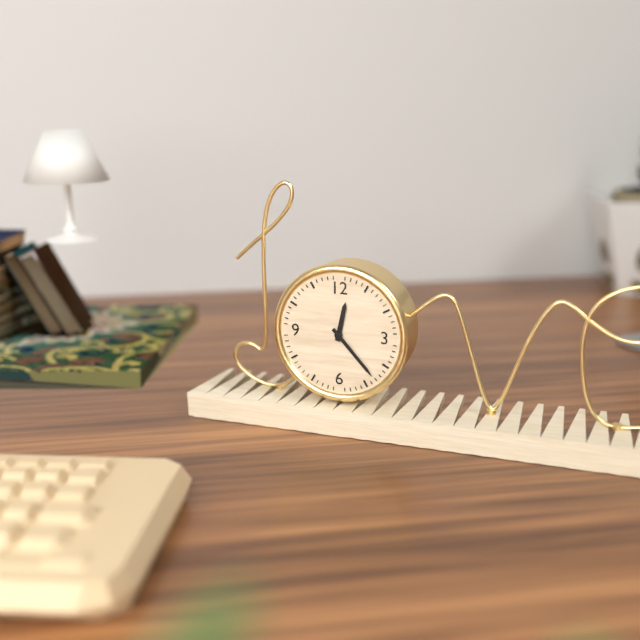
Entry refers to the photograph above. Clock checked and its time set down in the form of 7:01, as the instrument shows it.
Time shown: 12:23
